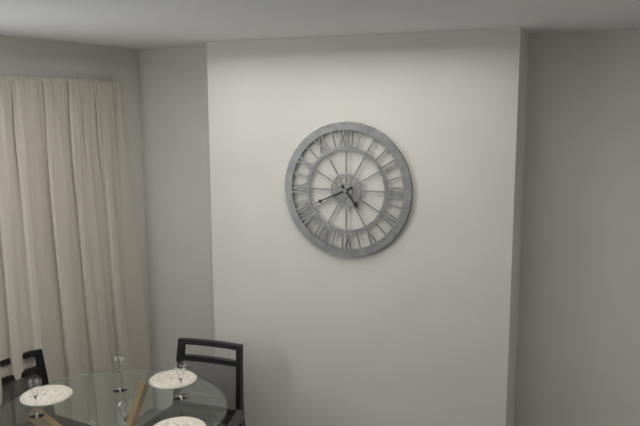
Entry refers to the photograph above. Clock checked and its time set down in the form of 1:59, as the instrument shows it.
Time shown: 4:41
